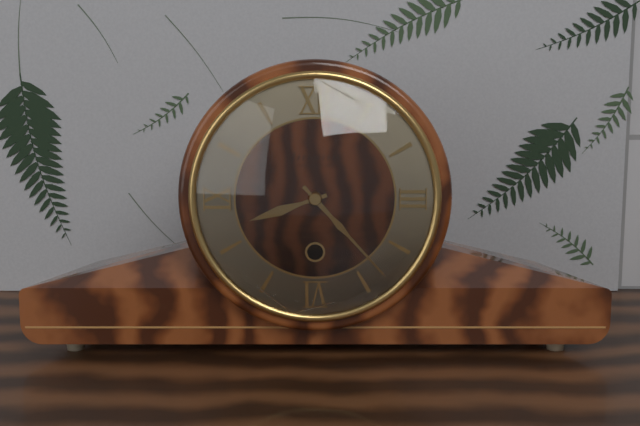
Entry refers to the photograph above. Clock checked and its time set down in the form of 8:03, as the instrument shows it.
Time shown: 8:23
